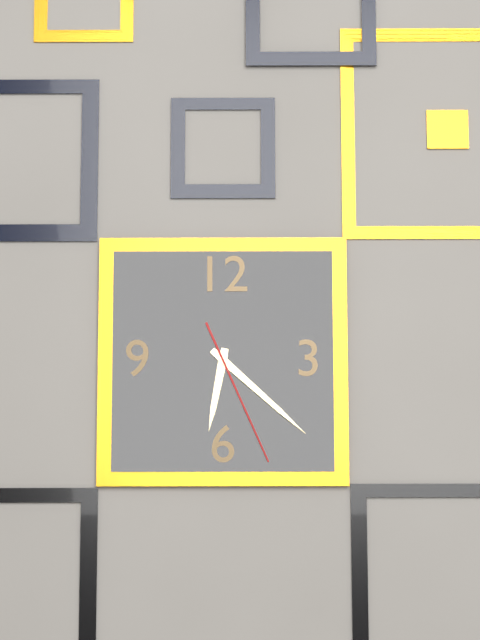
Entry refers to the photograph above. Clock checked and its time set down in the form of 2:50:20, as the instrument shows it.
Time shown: 6:22:26
